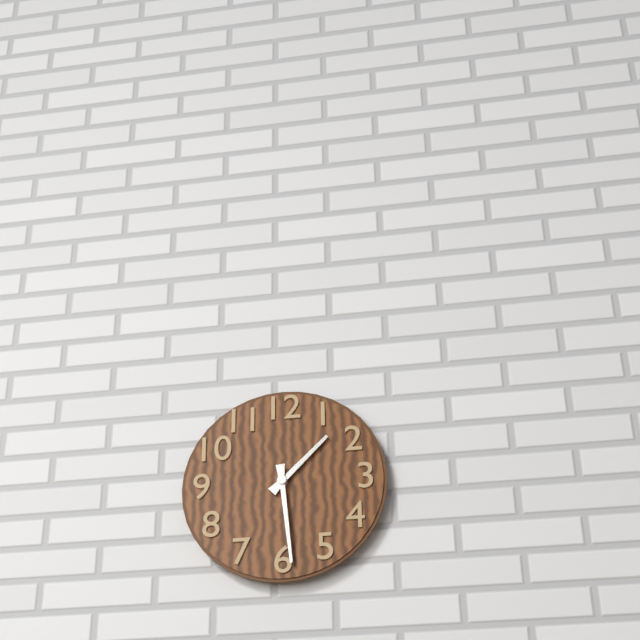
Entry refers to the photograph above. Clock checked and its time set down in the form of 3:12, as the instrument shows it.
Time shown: 1:29
